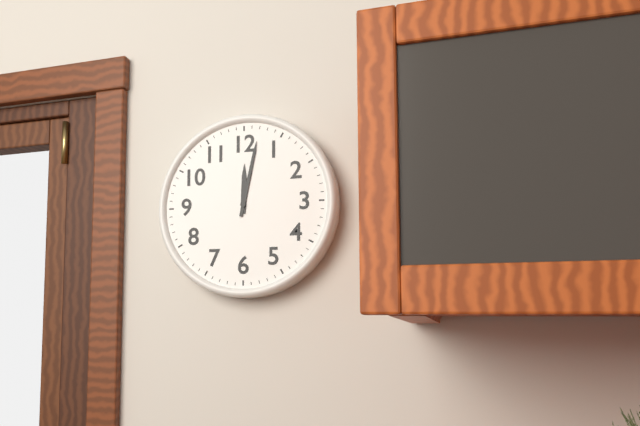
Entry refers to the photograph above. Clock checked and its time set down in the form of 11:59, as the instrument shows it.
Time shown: 12:02
